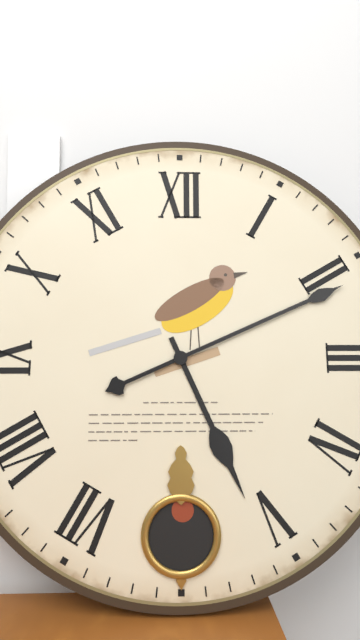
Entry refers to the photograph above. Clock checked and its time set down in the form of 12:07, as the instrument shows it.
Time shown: 5:11
